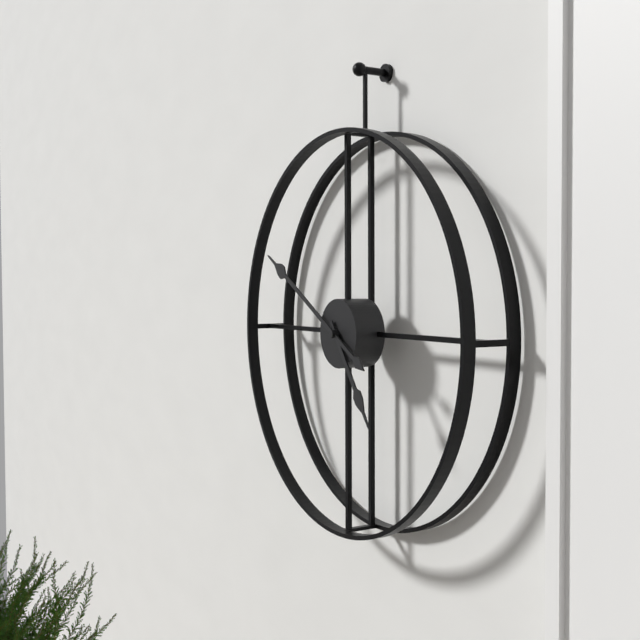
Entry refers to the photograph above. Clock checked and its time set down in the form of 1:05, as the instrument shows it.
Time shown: 4:50
